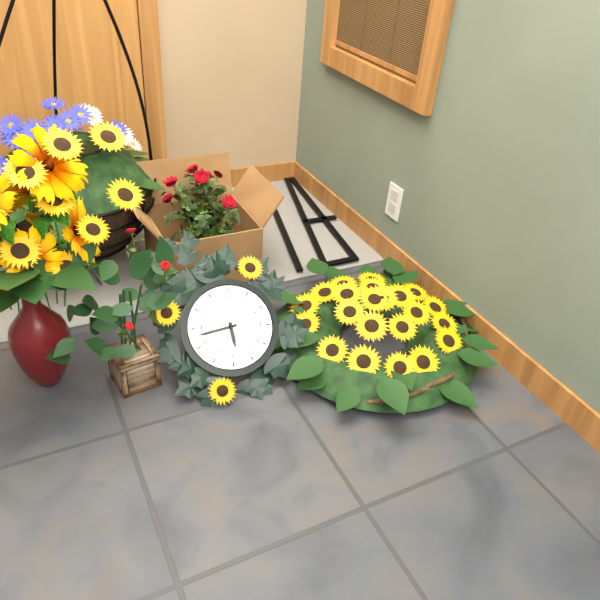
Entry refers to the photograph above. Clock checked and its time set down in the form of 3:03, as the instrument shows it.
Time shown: 5:43
